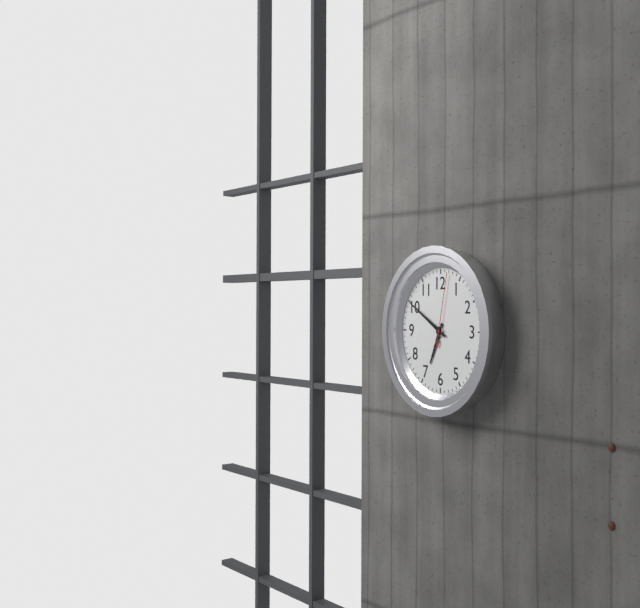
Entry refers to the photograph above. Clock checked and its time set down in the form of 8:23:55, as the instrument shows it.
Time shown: 6:50:02
